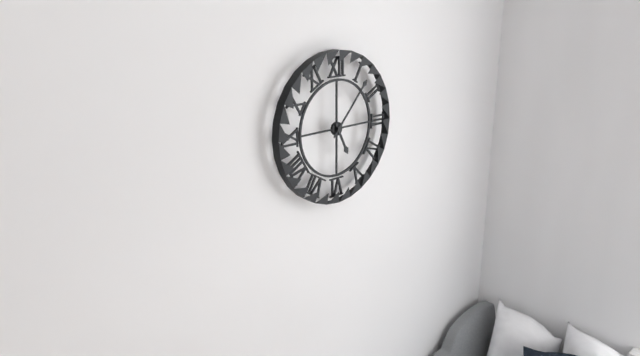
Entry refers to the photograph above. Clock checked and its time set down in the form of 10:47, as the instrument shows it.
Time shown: 5:07
